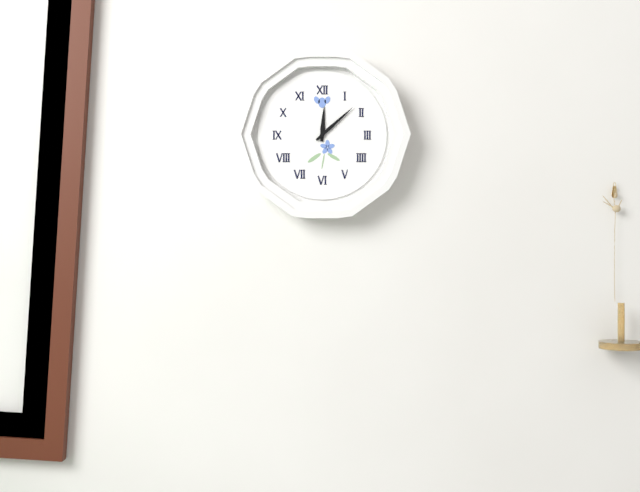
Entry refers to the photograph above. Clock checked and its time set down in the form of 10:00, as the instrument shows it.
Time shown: 12:08
